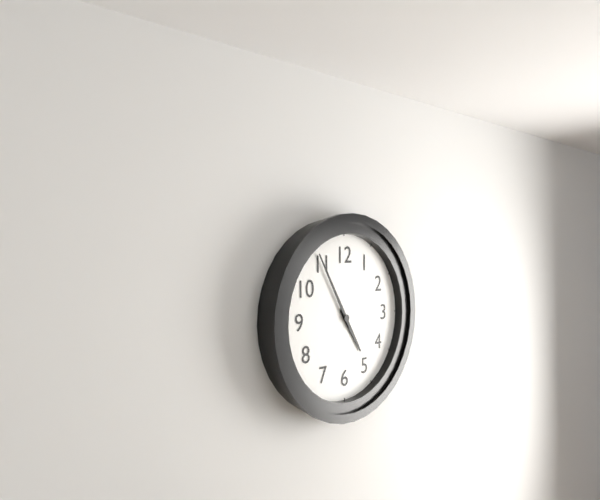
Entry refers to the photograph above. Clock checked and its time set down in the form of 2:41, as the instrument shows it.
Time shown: 4:55
